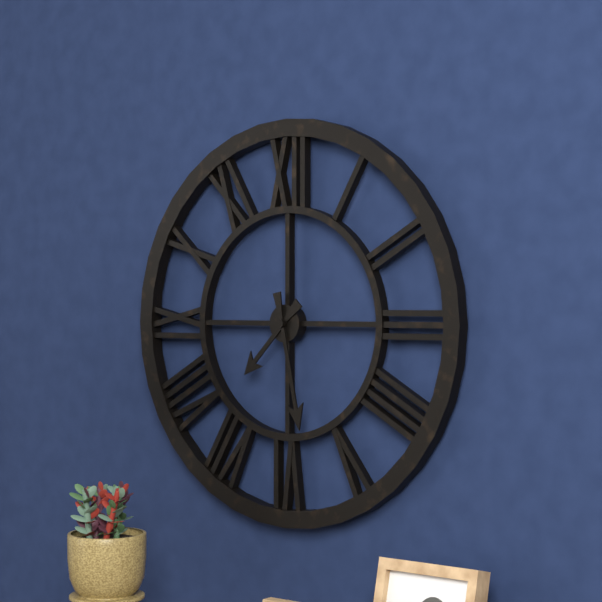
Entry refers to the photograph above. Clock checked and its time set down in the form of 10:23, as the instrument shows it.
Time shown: 7:28
